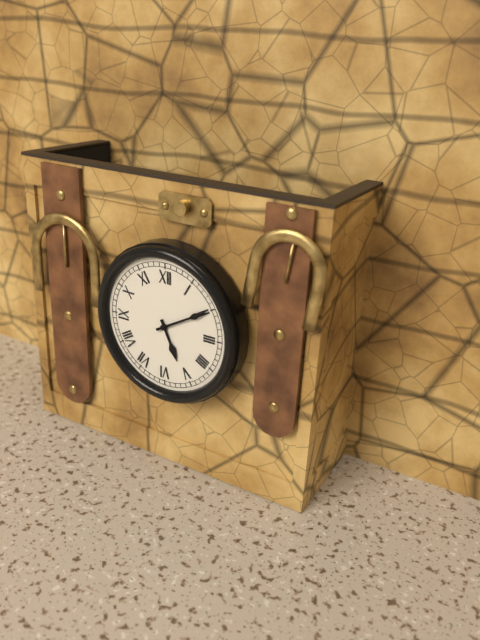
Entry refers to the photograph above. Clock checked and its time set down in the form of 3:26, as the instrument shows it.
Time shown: 5:10
